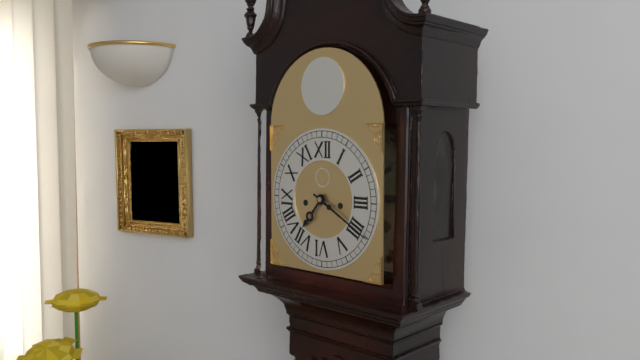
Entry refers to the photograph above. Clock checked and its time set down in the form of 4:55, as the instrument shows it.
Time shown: 7:20
